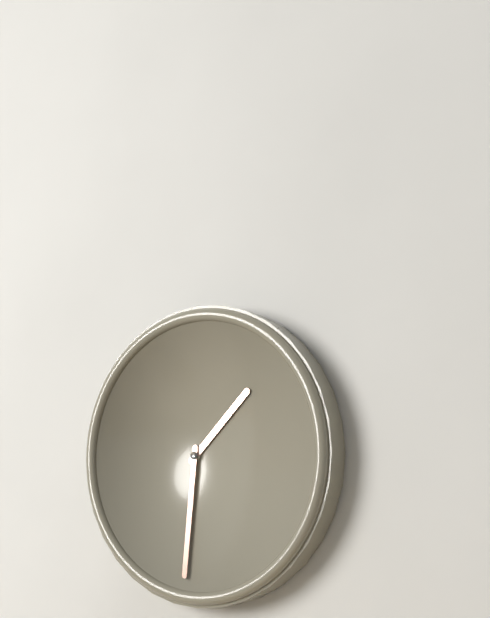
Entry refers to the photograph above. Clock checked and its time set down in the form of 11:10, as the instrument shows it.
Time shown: 1:31
